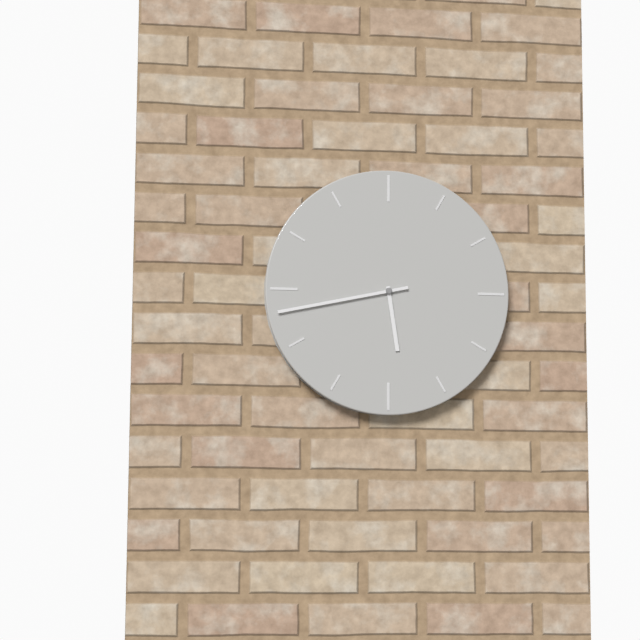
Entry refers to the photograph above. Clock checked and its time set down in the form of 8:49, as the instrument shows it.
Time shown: 5:43
